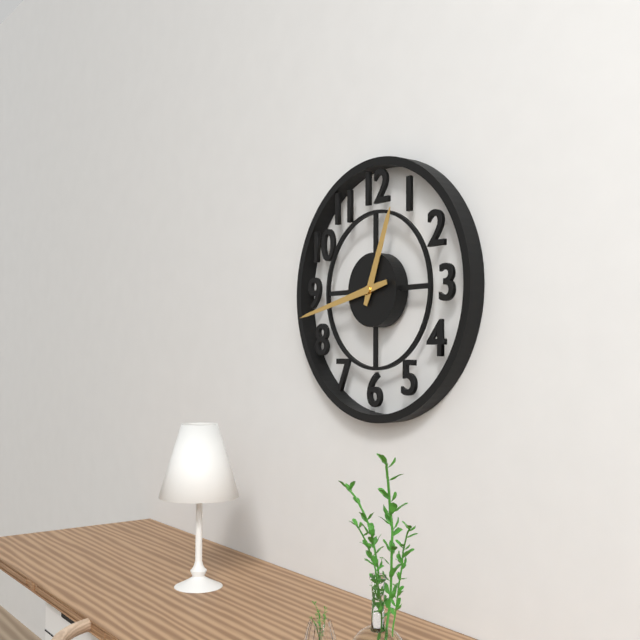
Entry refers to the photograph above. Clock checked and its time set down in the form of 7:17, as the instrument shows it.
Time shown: 12:43
